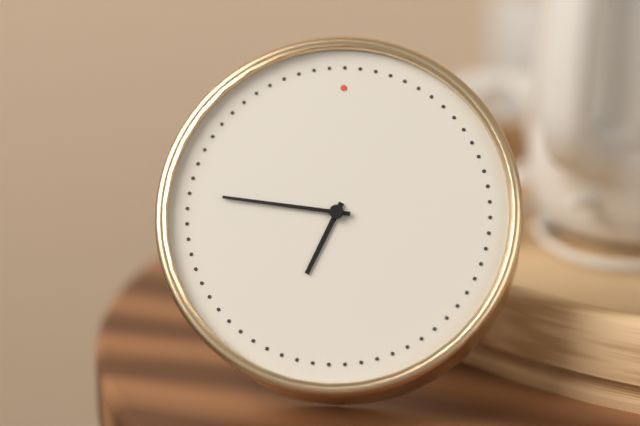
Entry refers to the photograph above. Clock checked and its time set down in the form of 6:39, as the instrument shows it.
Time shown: 6:46
